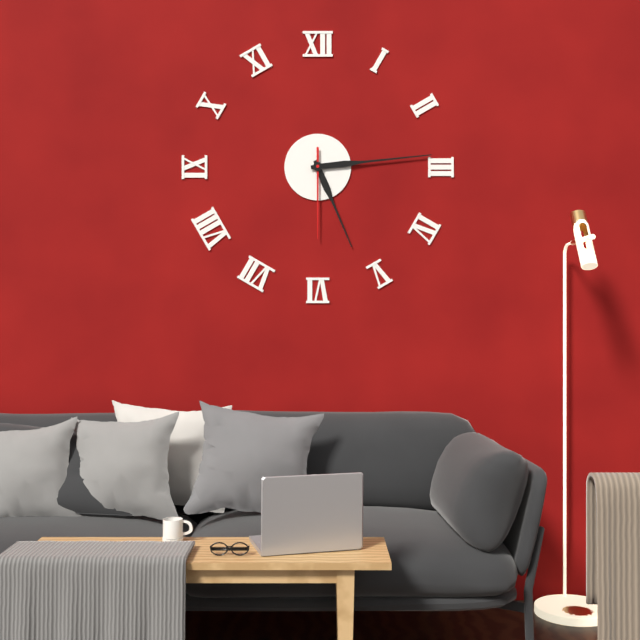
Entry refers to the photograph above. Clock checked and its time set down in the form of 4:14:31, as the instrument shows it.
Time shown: 5:14:30
